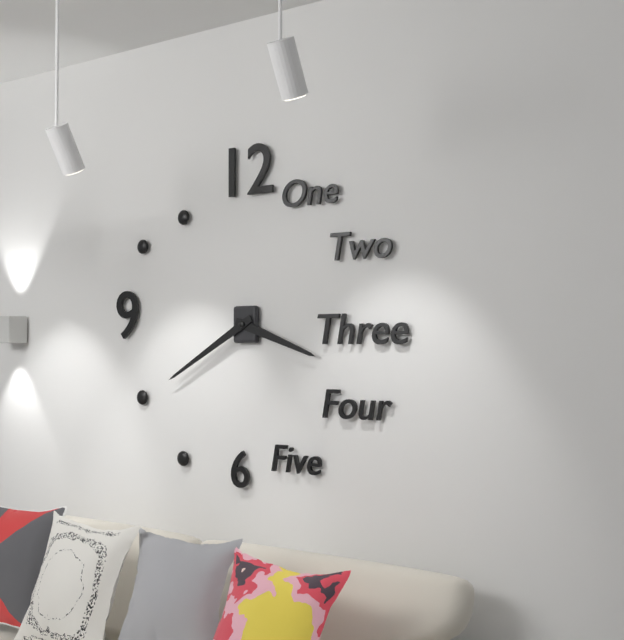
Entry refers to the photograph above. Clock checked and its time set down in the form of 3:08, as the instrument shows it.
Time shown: 3:40
